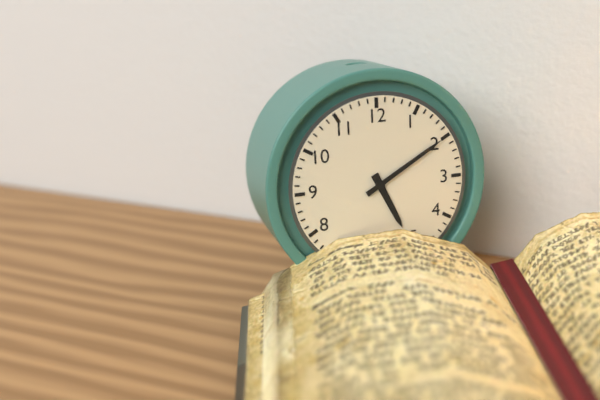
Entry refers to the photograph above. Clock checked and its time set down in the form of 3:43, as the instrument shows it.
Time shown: 5:10
